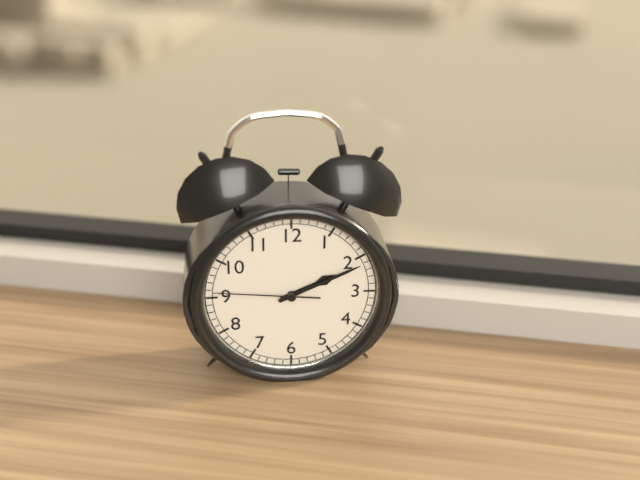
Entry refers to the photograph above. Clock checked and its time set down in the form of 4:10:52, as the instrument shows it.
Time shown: 2:11:46
